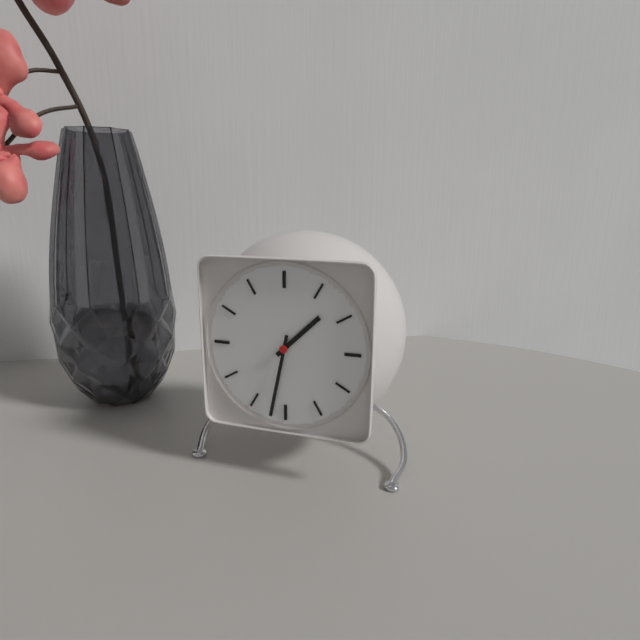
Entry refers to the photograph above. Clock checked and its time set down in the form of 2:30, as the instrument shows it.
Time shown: 1:32
